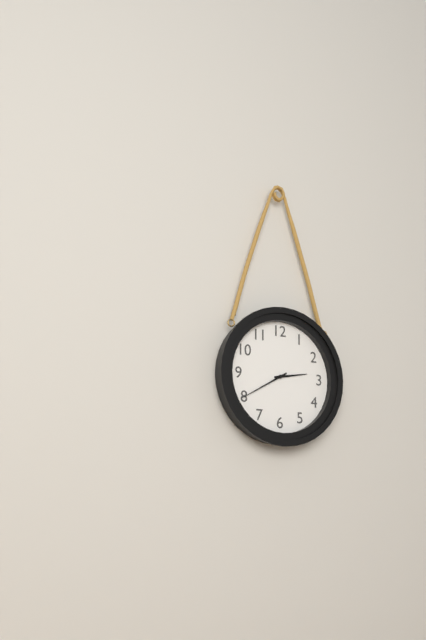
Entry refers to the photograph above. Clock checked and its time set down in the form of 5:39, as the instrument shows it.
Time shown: 2:40
